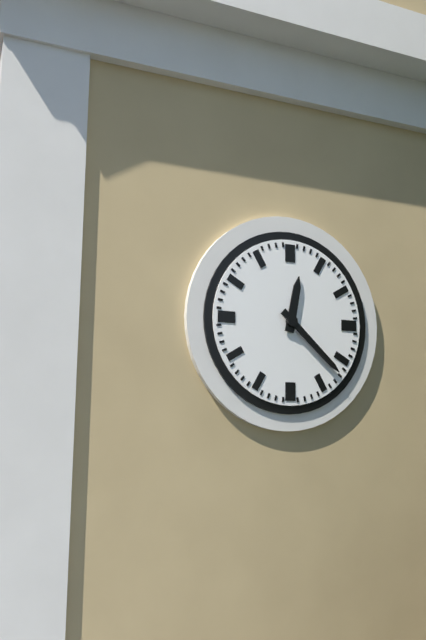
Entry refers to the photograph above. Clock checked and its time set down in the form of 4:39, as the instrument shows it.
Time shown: 12:22
